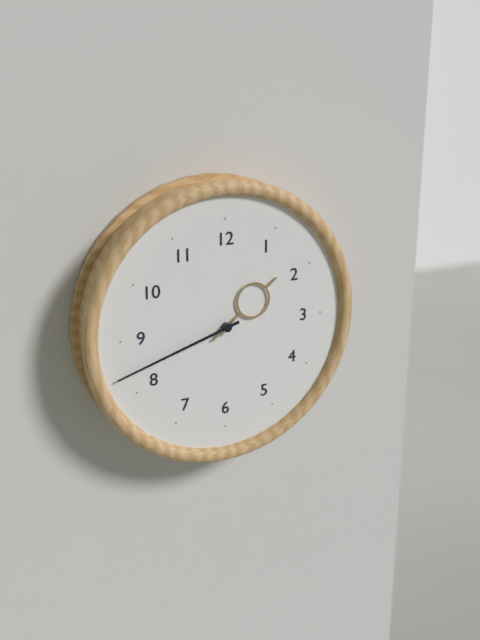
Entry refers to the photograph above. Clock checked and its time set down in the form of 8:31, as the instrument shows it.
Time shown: 1:42
